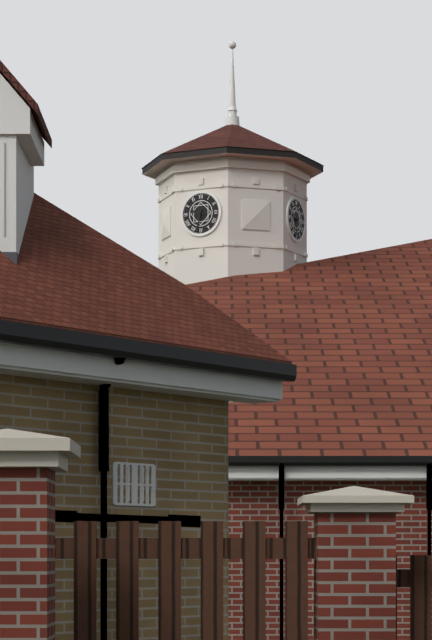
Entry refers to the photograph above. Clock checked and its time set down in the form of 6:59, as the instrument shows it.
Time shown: 9:32
